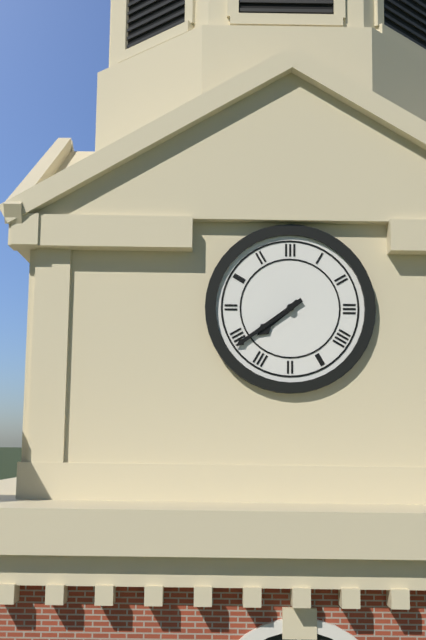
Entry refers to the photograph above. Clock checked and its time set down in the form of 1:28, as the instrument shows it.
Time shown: 7:39
